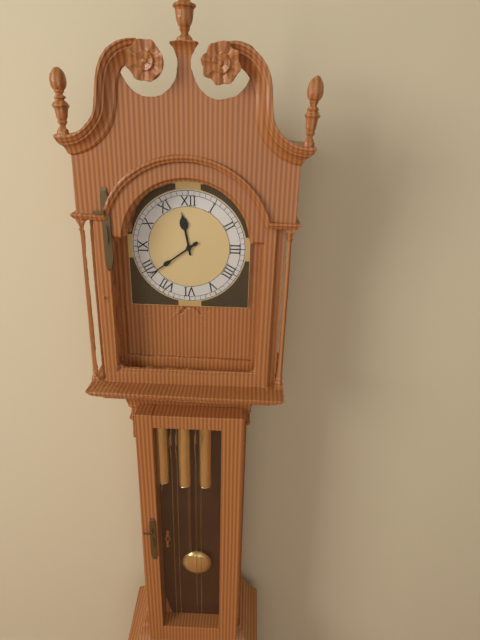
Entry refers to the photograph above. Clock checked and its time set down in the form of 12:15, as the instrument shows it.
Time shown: 11:39
